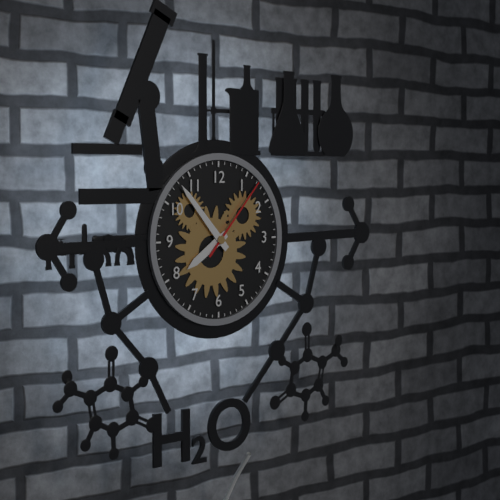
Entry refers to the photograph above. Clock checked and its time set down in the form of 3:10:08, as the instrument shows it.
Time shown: 7:53:07
